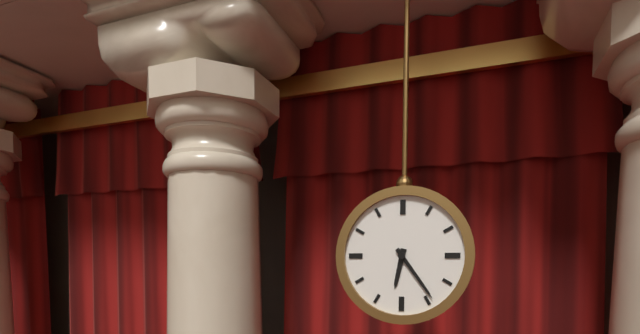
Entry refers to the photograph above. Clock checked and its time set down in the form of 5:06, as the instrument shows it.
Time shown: 6:24
